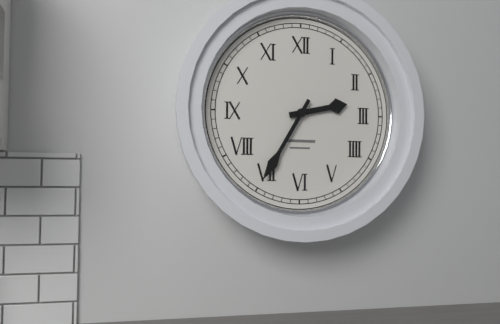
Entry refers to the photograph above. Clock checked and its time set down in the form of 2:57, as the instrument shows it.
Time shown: 2:35
